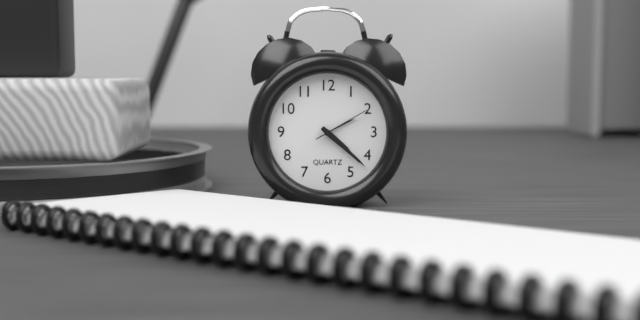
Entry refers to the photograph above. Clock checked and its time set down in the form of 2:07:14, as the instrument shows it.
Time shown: 4:22:10
